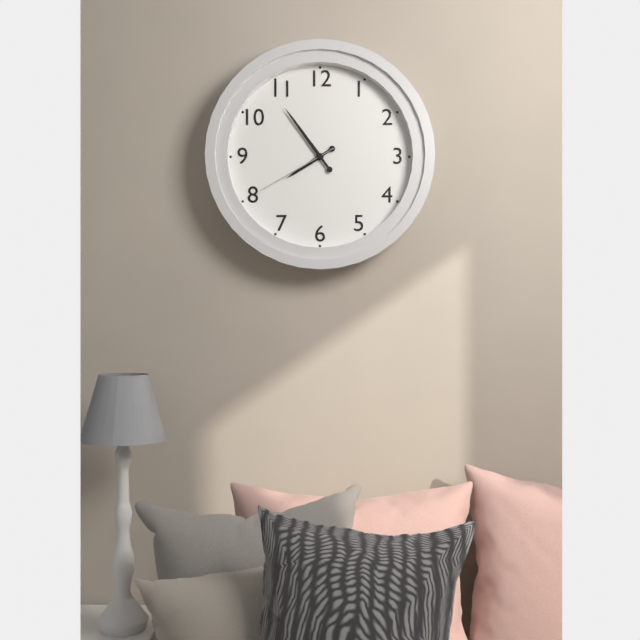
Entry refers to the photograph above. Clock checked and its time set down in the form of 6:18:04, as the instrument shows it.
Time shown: 7:54:40
